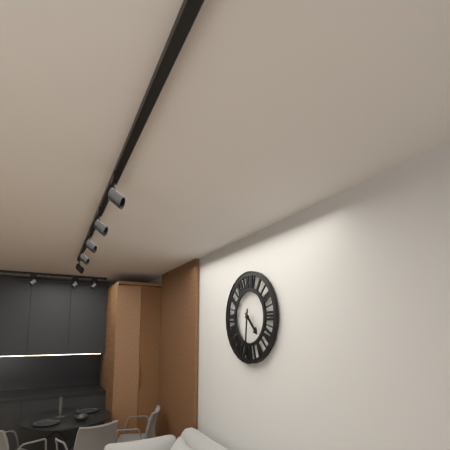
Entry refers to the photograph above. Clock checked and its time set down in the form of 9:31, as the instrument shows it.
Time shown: 4:31
